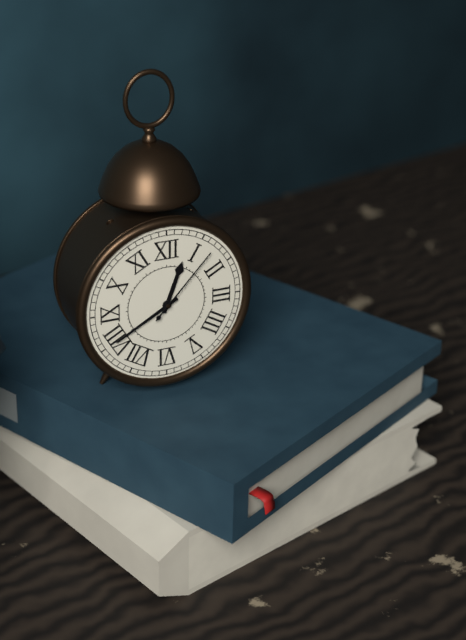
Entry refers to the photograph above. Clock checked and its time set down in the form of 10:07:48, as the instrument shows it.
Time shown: 12:40:07
